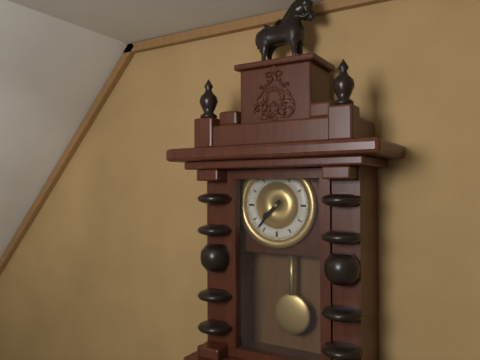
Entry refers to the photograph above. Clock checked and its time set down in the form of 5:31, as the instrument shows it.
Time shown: 7:37
